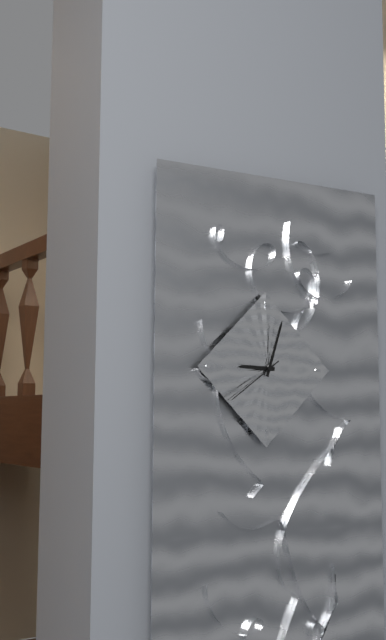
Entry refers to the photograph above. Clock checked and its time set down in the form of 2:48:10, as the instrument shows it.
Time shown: 9:03:39
